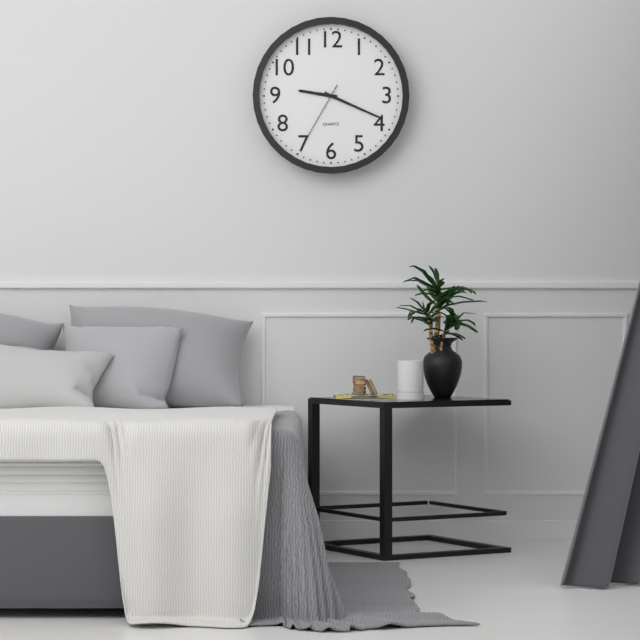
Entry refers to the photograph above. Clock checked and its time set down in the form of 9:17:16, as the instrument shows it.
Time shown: 9:19:35
